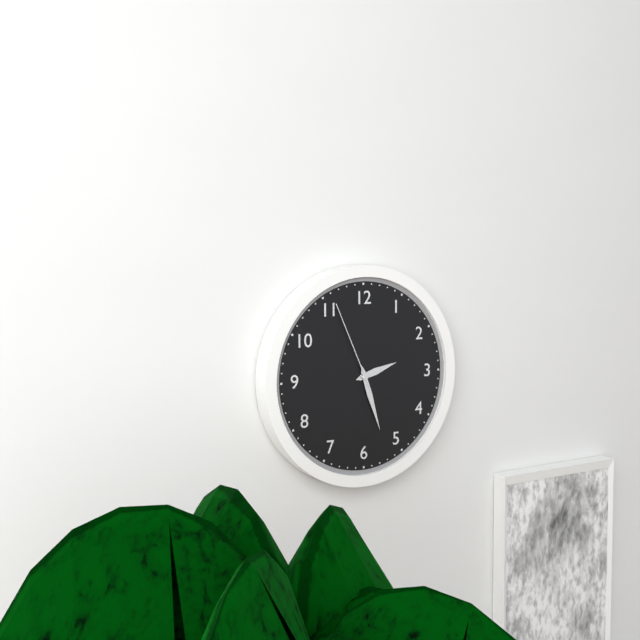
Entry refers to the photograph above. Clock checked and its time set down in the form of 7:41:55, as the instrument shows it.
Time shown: 2:27:56
